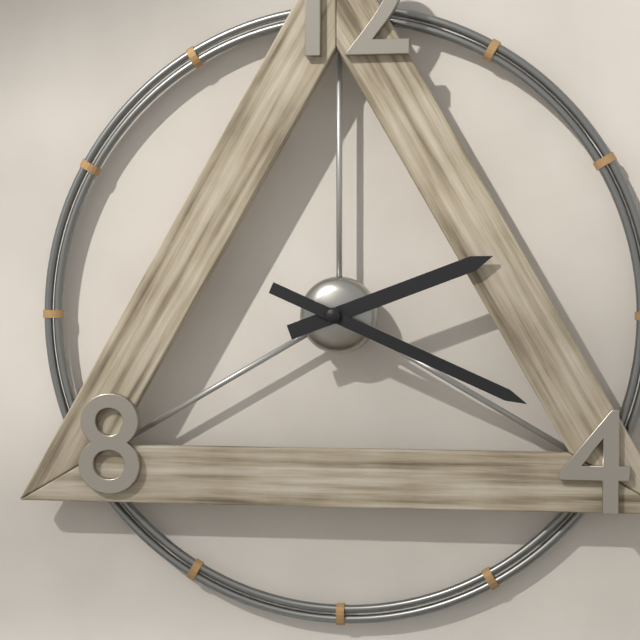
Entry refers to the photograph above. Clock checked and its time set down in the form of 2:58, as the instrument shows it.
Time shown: 2:19
